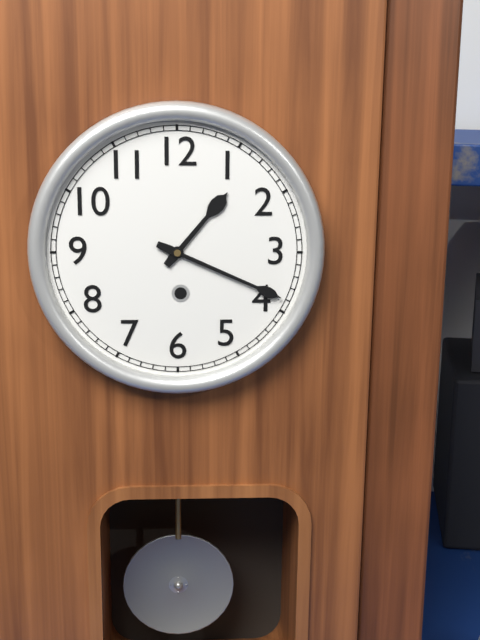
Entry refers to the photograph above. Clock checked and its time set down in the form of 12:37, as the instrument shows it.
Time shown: 1:19
